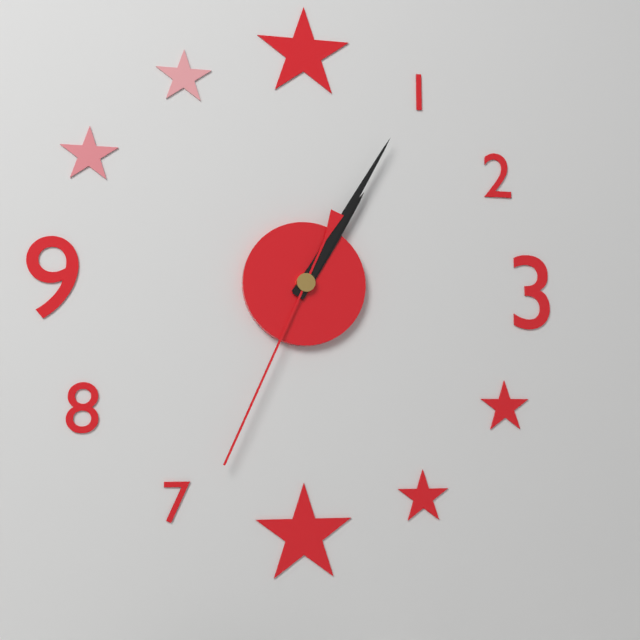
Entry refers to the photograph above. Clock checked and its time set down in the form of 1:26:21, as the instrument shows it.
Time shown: 1:05:34
